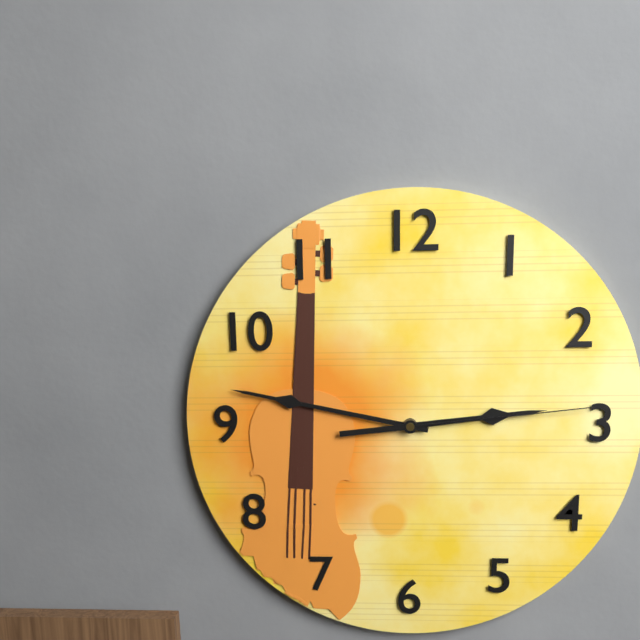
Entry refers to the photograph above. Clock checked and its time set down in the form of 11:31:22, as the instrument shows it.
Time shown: 2:47:14
